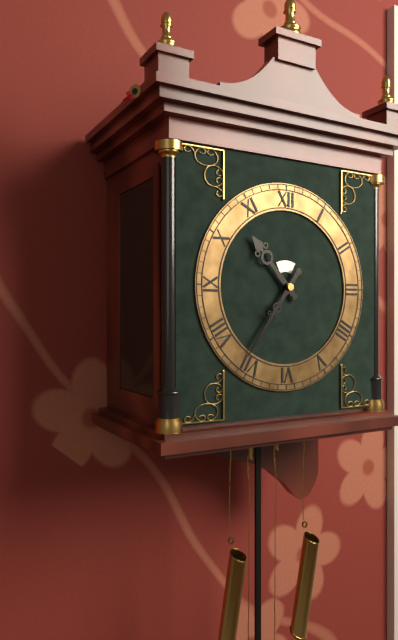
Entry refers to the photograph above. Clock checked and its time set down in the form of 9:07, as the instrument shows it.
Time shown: 10:36
